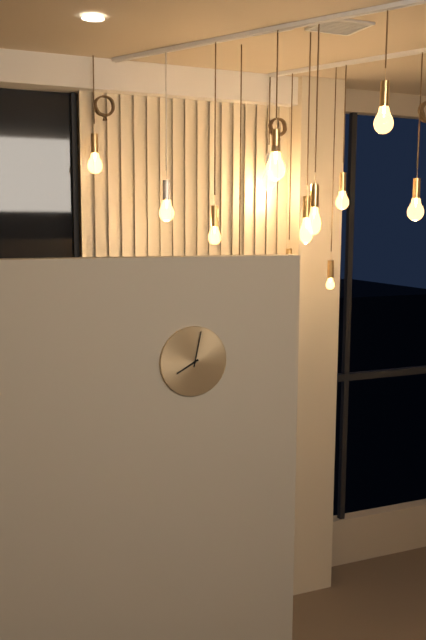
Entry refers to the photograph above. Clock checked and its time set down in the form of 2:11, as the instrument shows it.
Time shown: 8:02
